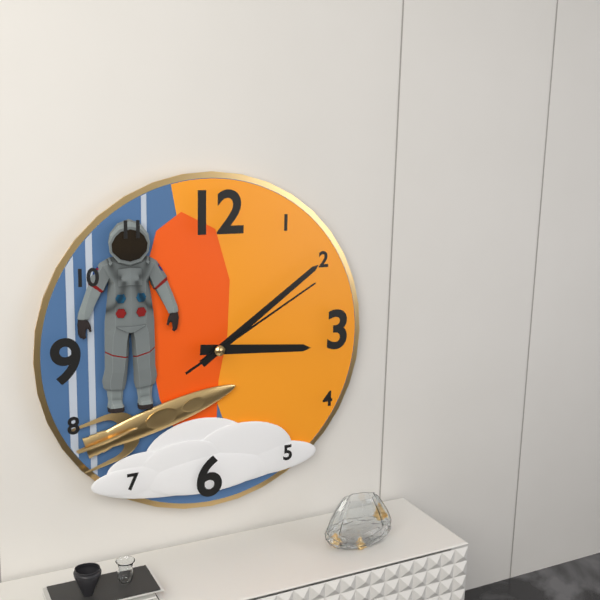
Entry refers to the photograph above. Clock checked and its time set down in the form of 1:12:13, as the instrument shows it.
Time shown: 3:09:10
